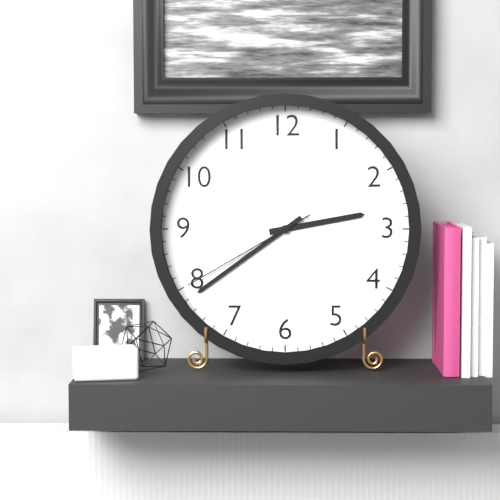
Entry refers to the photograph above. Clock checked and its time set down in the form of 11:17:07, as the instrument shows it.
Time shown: 2:39:40
